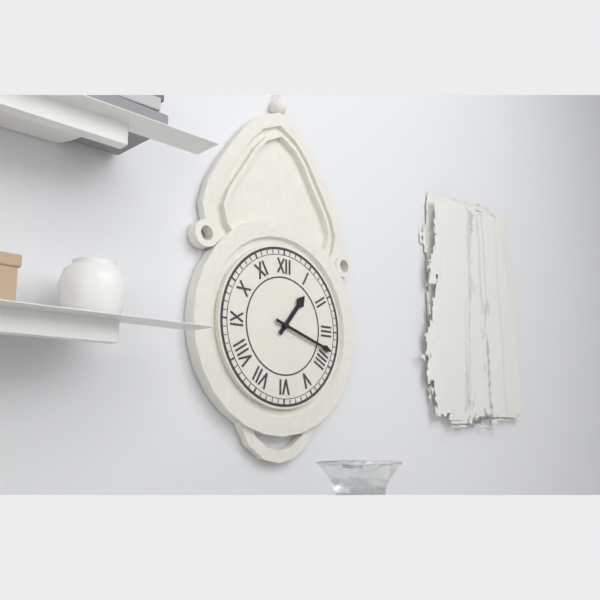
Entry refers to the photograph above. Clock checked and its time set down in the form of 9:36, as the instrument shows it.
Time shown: 1:18
